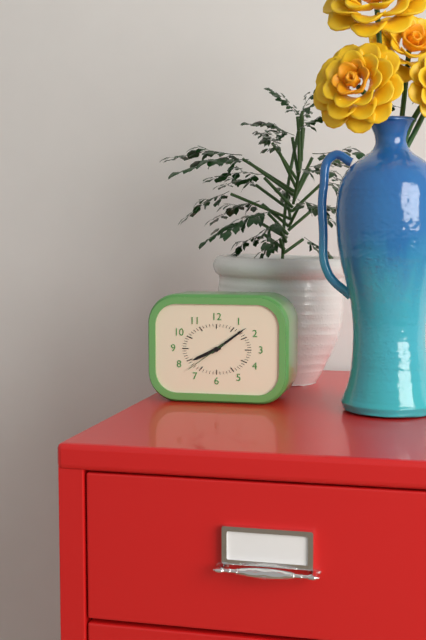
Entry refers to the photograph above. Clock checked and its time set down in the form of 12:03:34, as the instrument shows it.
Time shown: 8:09:39
